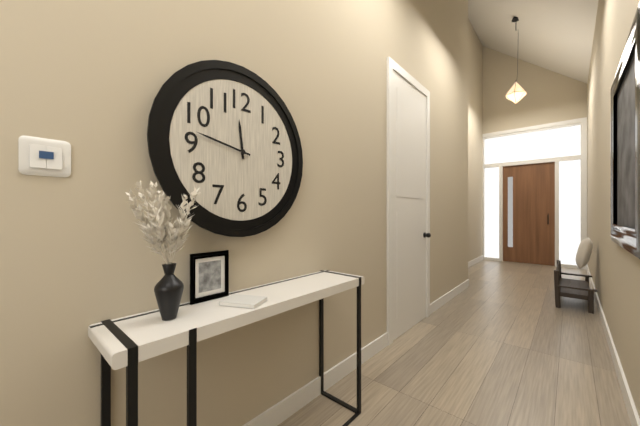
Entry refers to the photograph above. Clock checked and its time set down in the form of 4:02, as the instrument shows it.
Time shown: 11:47
